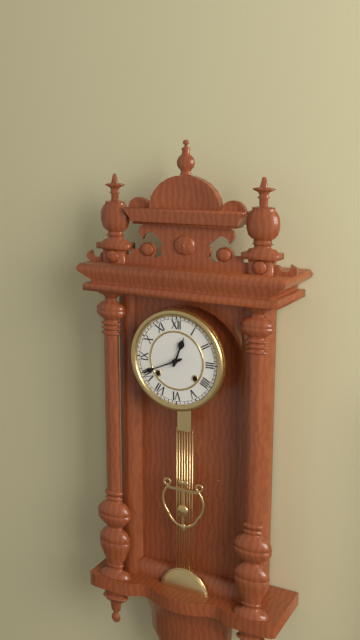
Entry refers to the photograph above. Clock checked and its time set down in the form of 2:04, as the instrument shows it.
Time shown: 12:41
